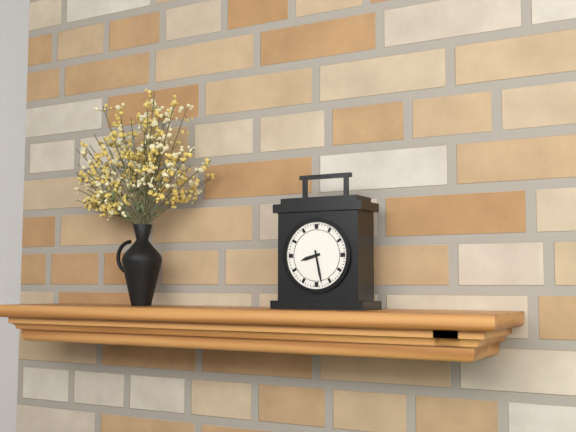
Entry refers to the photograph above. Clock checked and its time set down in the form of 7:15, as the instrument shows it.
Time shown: 8:28
